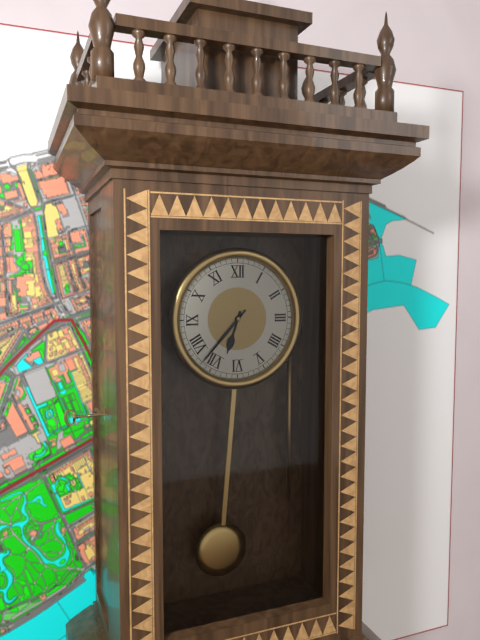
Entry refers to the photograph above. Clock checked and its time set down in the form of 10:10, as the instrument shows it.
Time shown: 6:37
